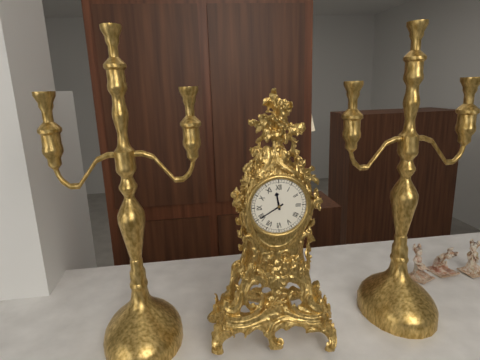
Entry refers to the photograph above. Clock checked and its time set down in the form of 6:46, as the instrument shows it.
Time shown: 11:40
